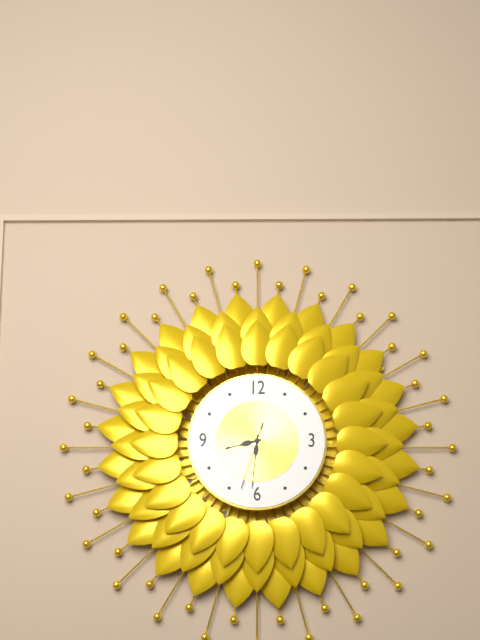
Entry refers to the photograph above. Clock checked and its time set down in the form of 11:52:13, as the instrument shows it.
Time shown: 8:31:33
